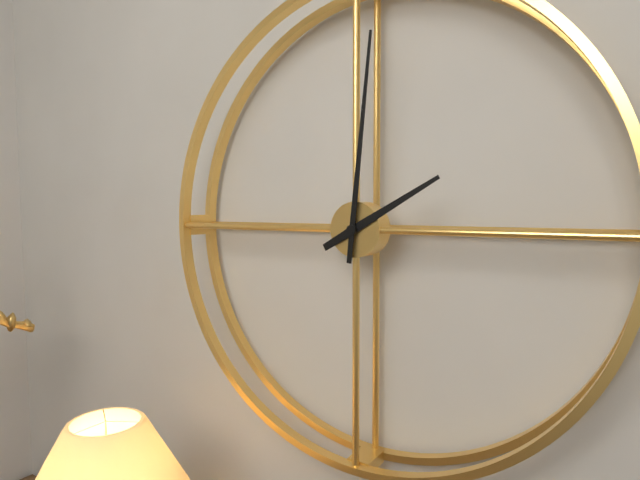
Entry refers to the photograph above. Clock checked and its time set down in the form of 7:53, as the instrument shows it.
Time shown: 2:01
